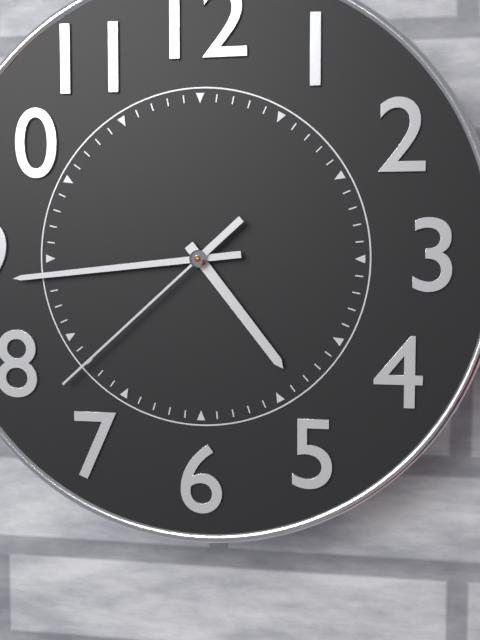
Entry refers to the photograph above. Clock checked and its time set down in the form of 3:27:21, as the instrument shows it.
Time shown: 4:44:38
